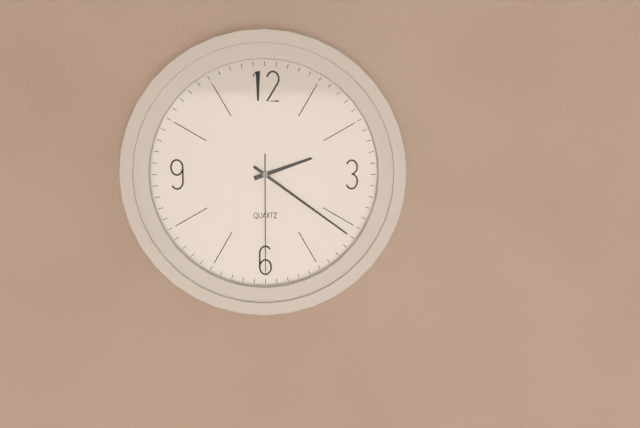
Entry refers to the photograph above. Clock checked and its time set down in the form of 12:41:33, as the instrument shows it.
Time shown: 2:21:30
